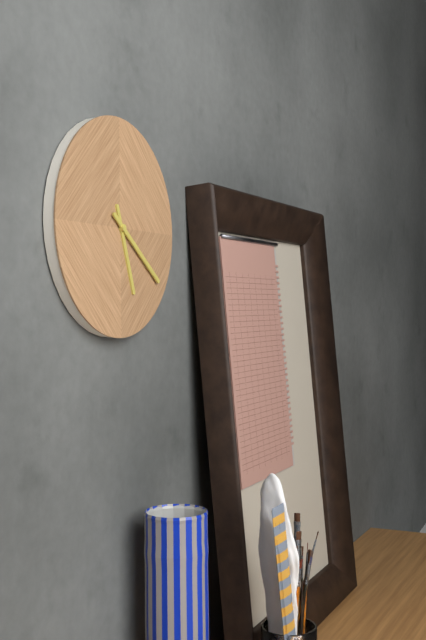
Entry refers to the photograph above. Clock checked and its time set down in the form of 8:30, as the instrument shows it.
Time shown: 5:21
